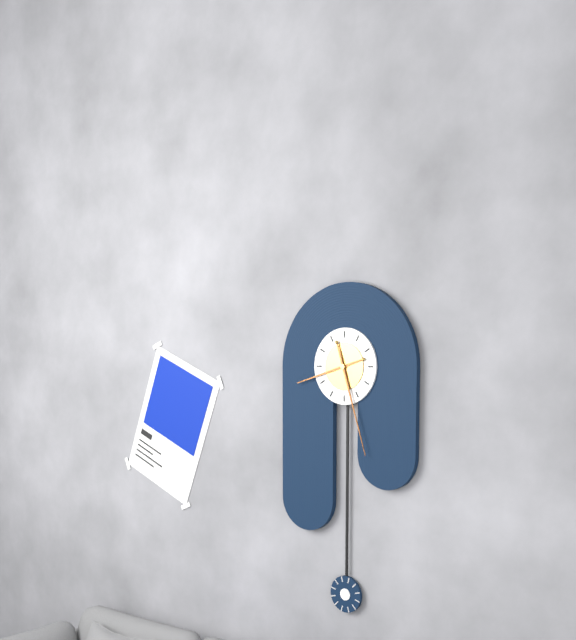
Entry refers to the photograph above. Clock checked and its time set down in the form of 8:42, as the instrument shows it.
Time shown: 8:27
